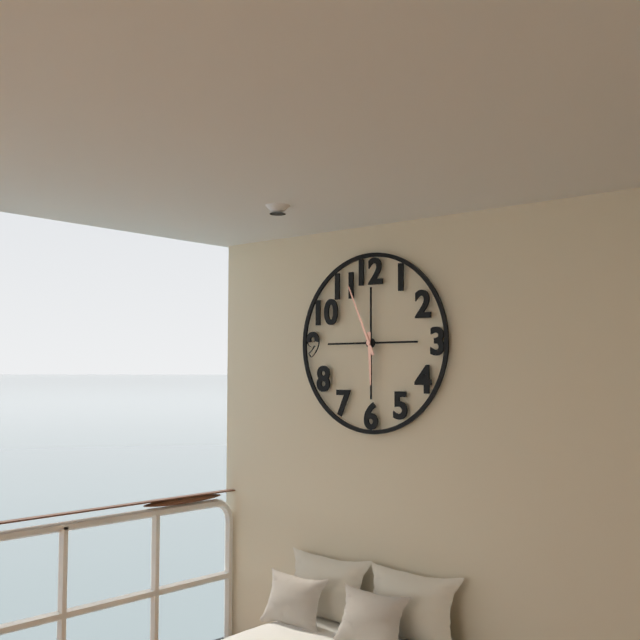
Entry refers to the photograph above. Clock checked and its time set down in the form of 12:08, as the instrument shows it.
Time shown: 5:56
